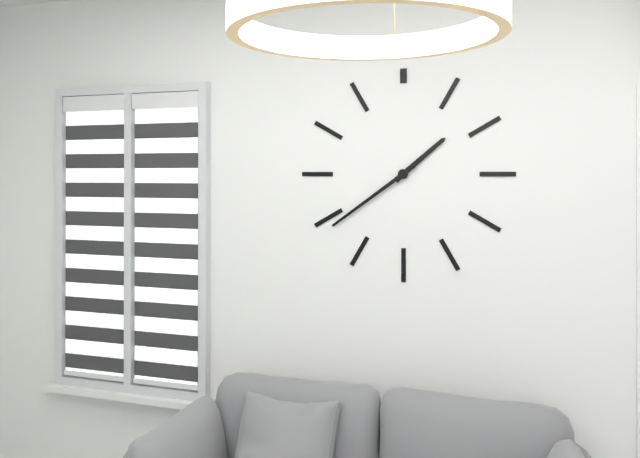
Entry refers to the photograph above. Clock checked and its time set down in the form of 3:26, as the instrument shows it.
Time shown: 1:39
